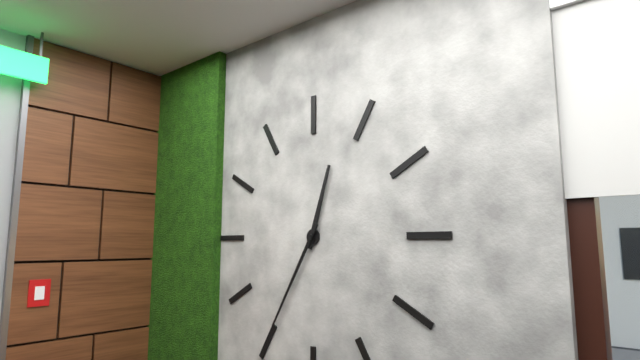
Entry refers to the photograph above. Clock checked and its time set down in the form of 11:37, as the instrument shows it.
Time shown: 12:35
